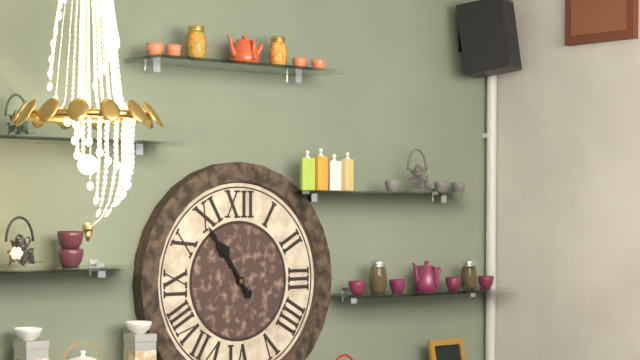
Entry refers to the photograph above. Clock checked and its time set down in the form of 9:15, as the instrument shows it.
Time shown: 10:54
